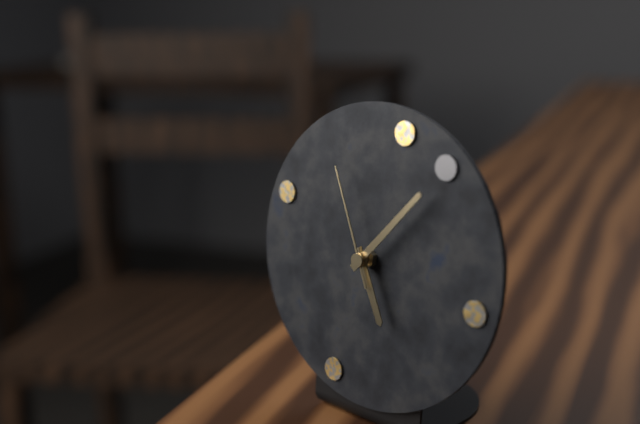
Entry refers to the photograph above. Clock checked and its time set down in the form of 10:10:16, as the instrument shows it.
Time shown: 5:07:56
